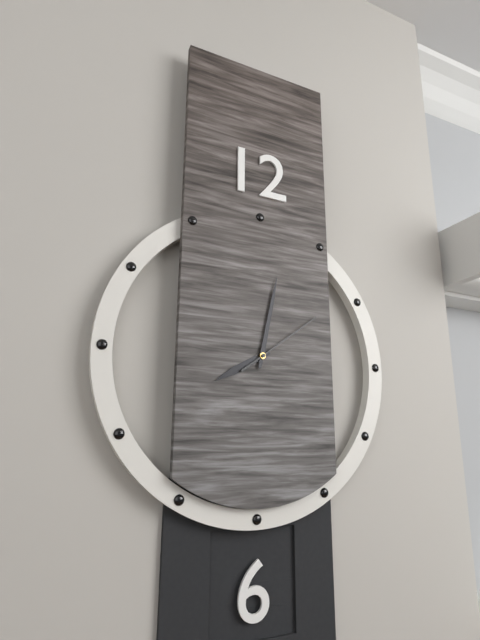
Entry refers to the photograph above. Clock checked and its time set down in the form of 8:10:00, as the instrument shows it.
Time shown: 8:02:09
